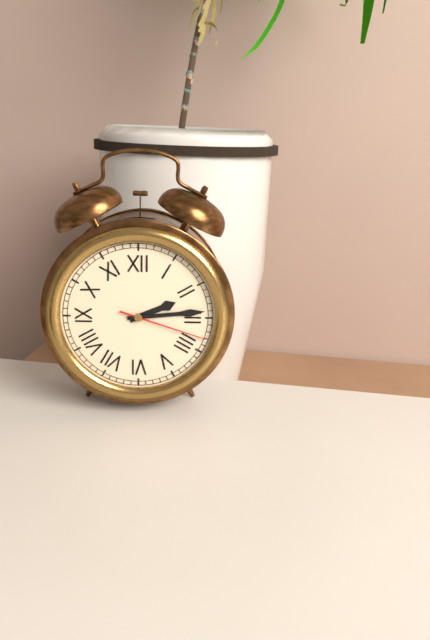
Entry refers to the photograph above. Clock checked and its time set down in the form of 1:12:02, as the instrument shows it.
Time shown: 2:14:18
